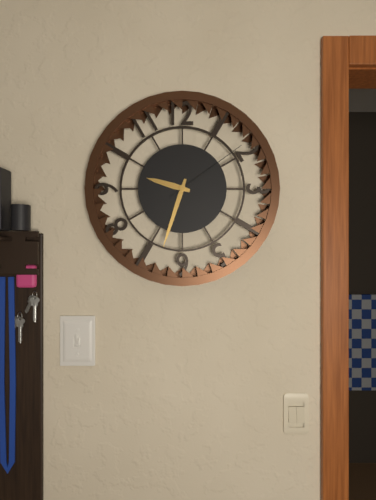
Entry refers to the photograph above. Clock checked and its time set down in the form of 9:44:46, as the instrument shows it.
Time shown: 9:33:09
